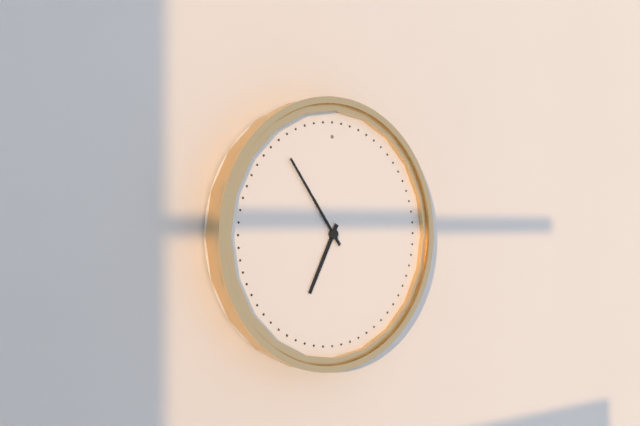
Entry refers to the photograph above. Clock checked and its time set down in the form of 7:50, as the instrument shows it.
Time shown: 6:54
